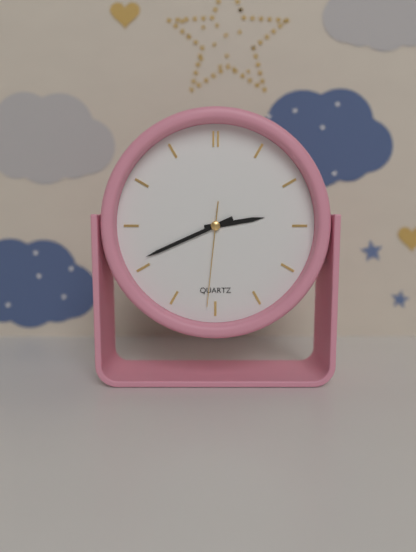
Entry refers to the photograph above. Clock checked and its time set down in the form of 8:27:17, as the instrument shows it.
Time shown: 2:41:31
